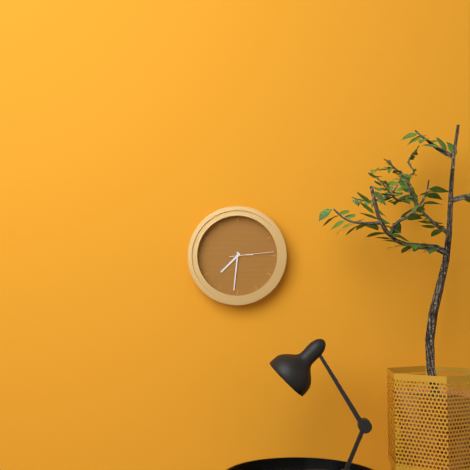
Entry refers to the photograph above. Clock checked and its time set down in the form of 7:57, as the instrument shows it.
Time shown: 7:31
